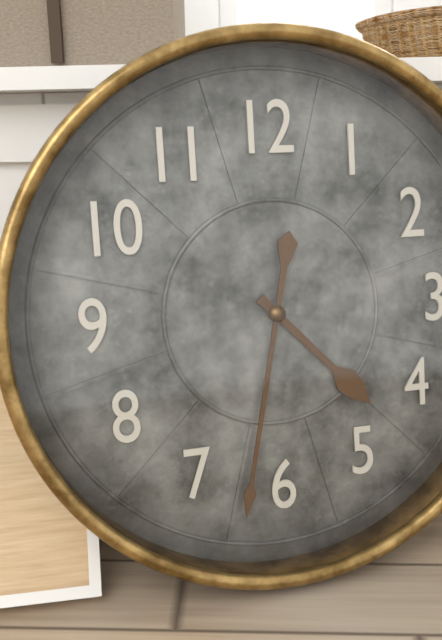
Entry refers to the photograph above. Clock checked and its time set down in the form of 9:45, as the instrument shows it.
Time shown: 4:32
